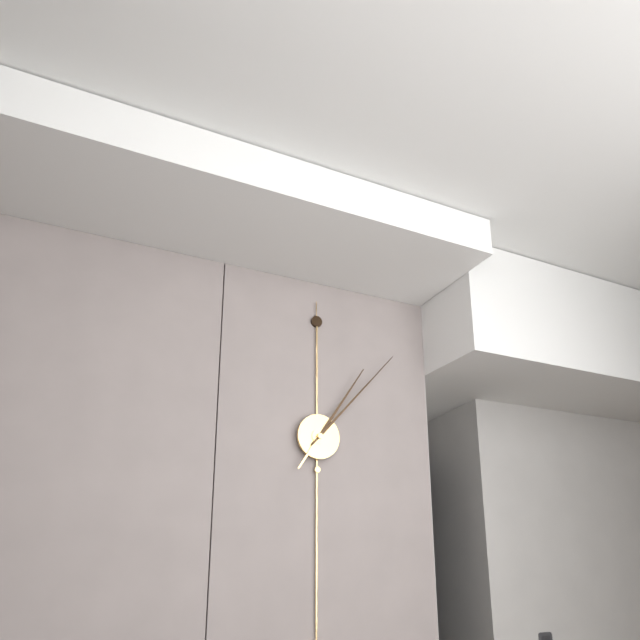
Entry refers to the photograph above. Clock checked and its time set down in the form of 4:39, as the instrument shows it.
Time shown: 1:07
